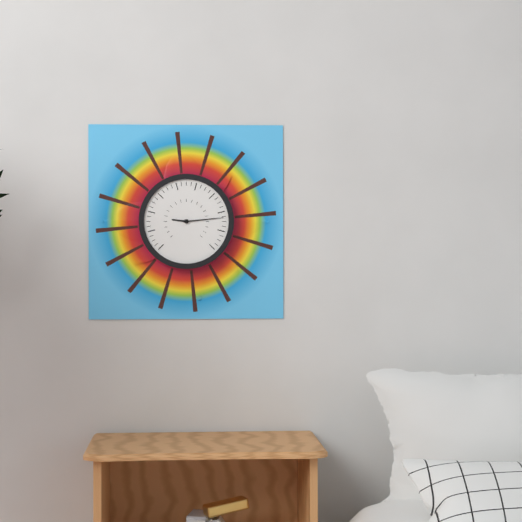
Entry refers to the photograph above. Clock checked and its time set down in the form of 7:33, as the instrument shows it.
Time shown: 9:14
